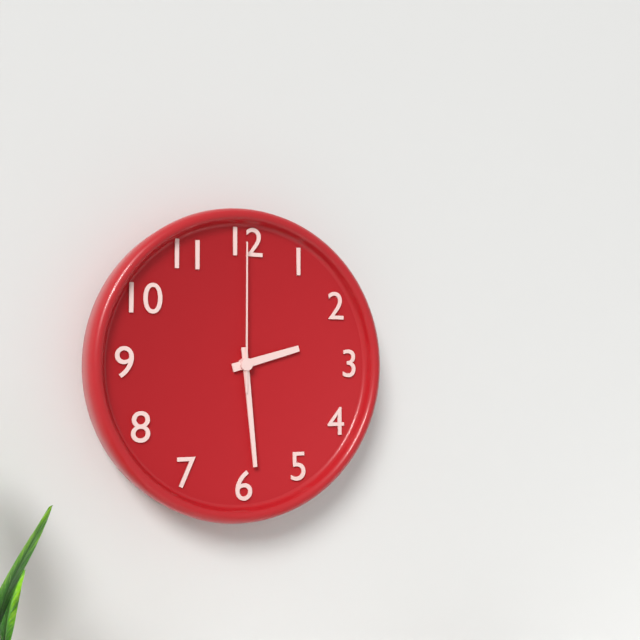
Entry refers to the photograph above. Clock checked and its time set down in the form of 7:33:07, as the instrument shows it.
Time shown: 2:29:00
